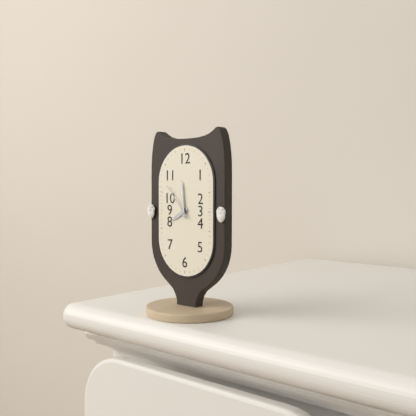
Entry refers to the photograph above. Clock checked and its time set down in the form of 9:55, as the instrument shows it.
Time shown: 7:59
